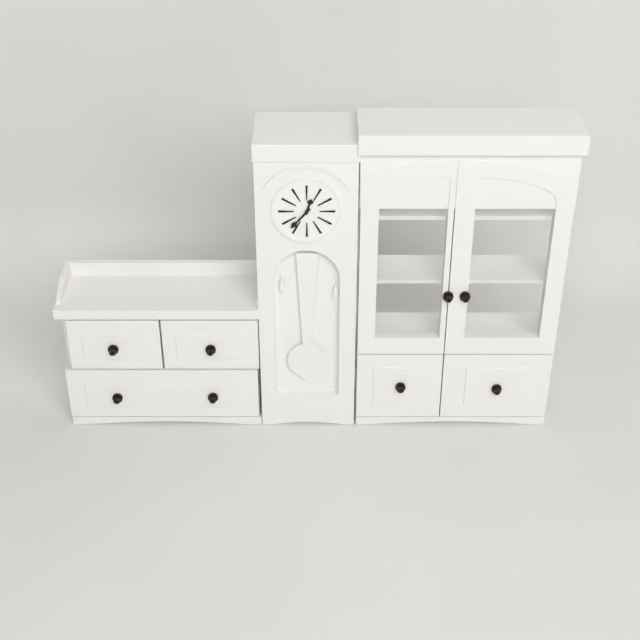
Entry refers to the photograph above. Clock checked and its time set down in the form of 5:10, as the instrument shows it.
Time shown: 12:37
